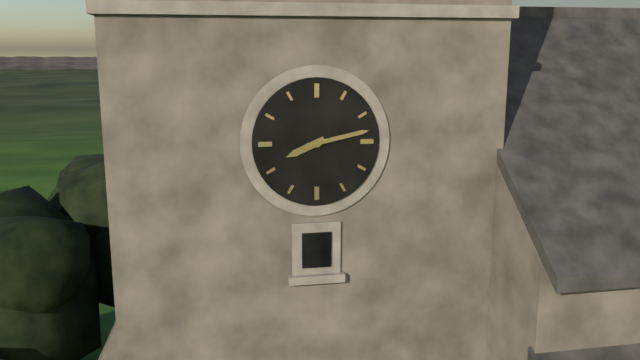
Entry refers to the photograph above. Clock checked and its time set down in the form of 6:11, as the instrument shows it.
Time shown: 8:13
